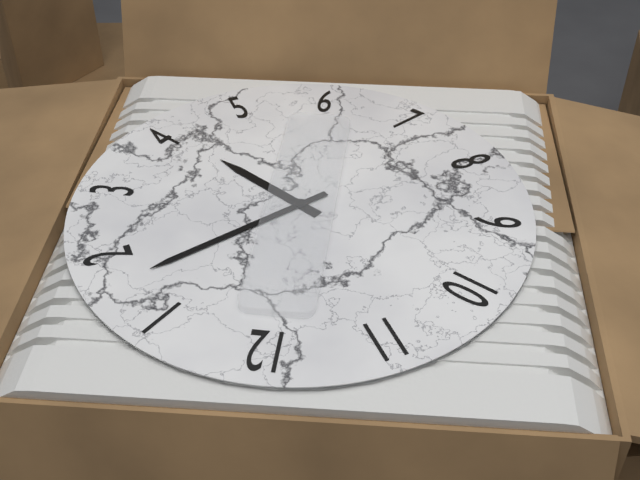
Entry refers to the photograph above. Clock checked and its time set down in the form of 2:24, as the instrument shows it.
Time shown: 4:08
